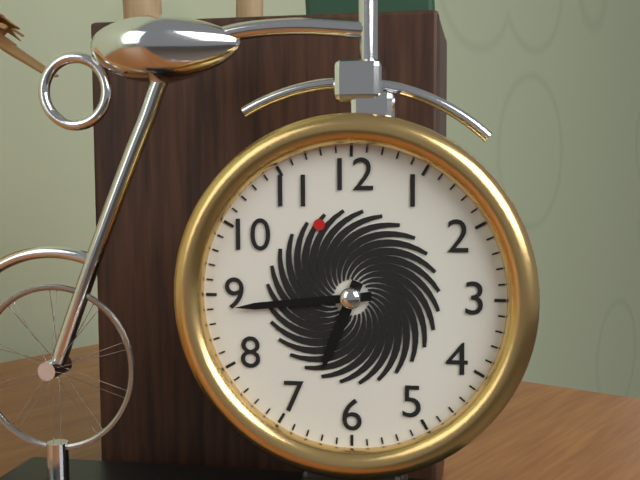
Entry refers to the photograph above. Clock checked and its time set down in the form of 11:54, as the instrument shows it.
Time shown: 6:44
